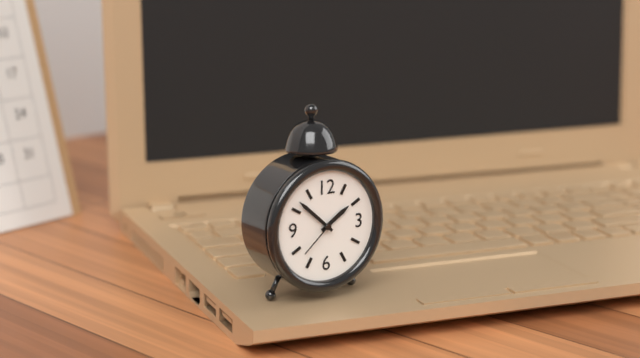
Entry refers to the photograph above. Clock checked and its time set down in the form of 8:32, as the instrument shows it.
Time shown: 1:52
